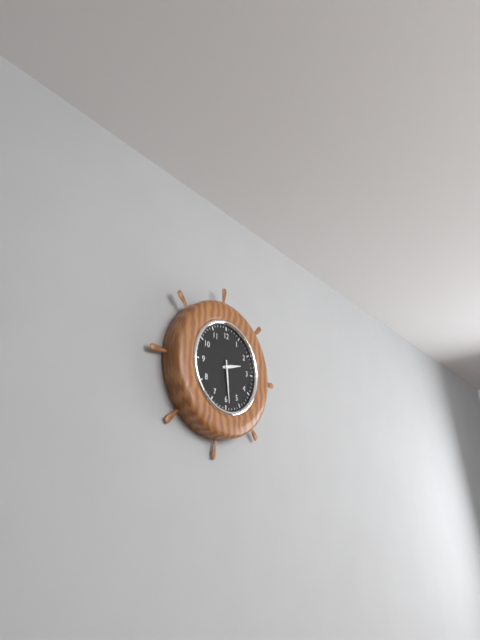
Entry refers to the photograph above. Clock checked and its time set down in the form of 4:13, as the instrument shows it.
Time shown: 2:29
